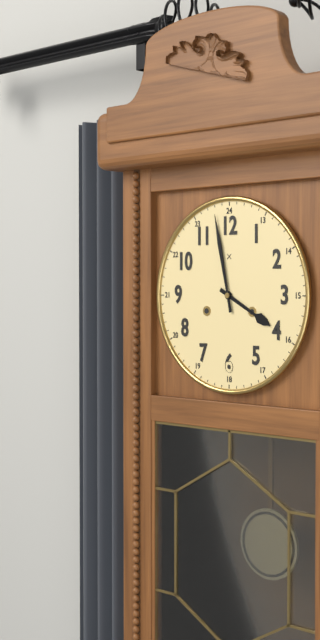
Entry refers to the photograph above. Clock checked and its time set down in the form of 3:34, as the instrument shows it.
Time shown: 3:58
